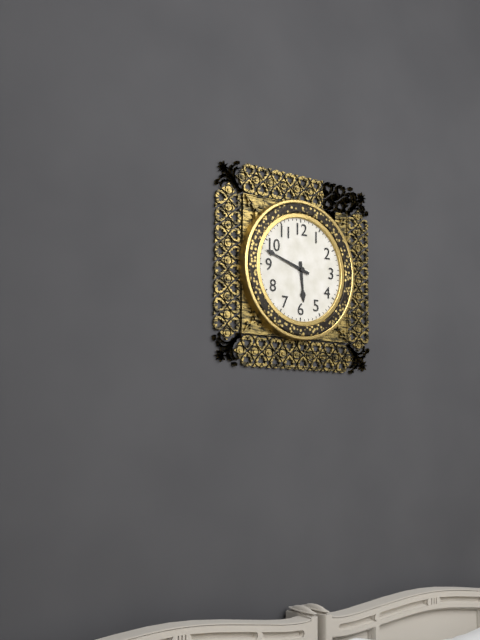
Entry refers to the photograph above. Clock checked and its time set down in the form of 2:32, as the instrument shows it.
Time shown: 5:48
